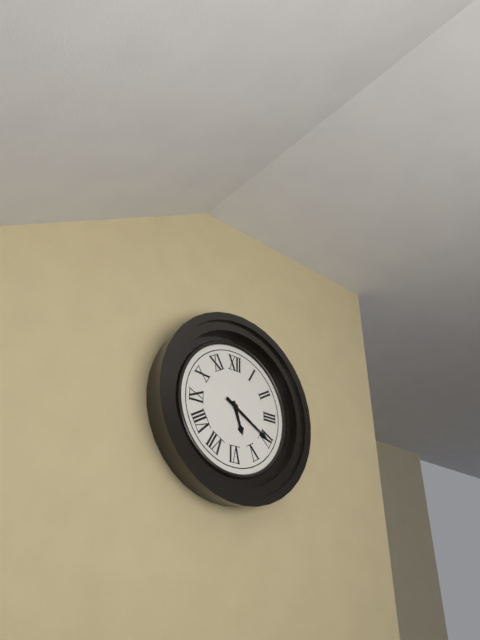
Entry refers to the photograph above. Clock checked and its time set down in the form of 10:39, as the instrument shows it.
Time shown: 5:20
